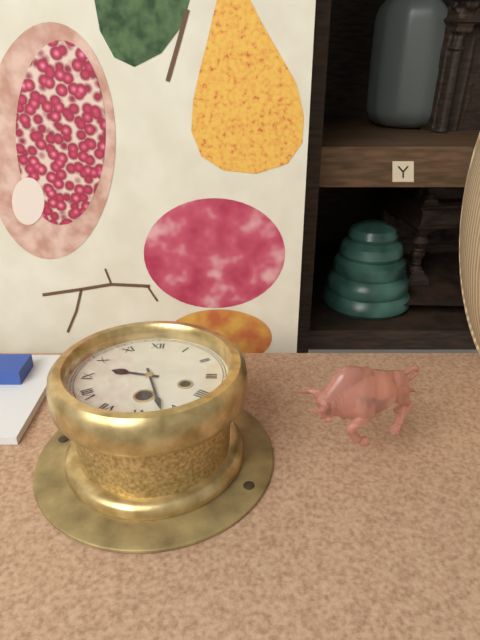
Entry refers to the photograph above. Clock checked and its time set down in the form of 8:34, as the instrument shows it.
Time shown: 9:27
